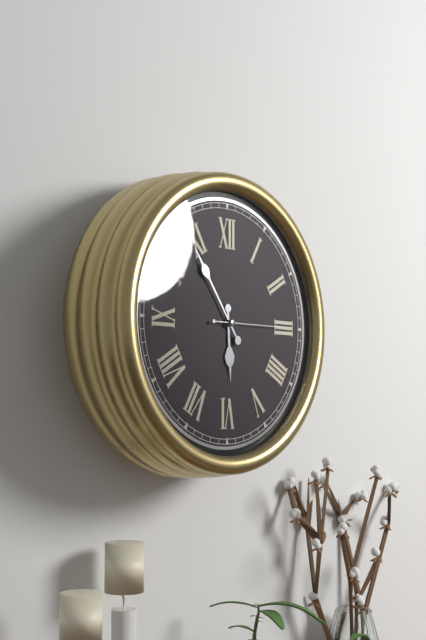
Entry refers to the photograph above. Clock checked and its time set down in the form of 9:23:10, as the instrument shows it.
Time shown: 5:54:15
